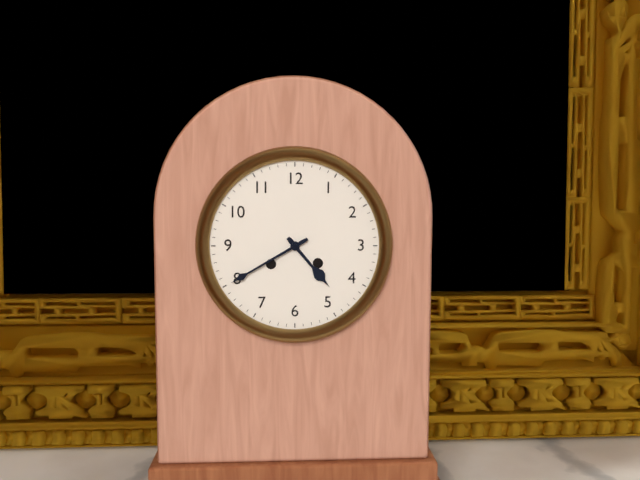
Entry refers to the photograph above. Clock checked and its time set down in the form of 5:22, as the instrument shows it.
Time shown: 4:40
